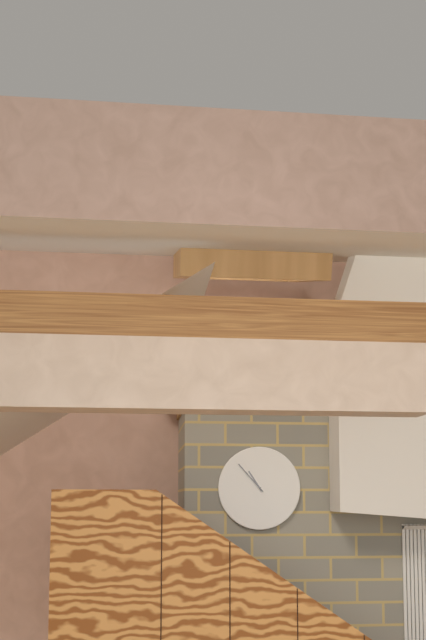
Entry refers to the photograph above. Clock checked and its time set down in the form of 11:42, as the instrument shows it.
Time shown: 10:53
